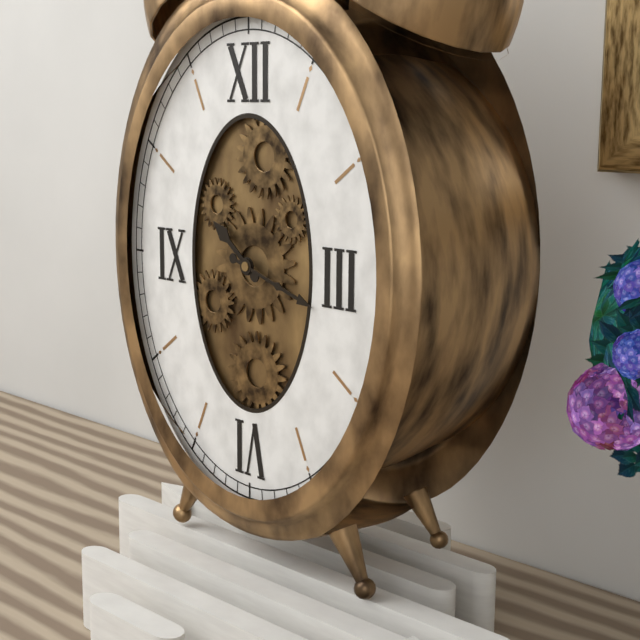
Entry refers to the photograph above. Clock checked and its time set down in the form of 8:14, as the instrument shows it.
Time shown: 10:18
